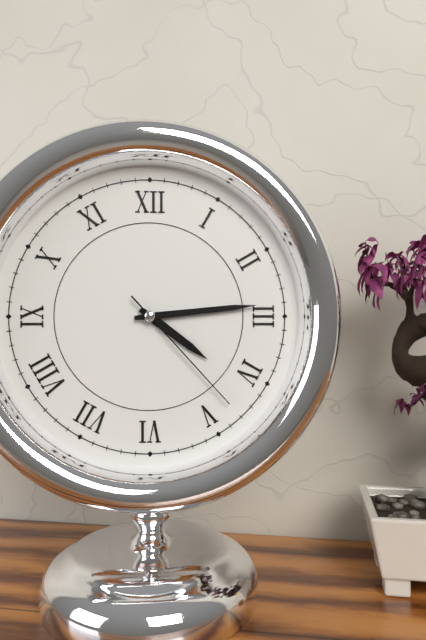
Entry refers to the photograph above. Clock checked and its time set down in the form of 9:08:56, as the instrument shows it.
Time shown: 4:14:23
